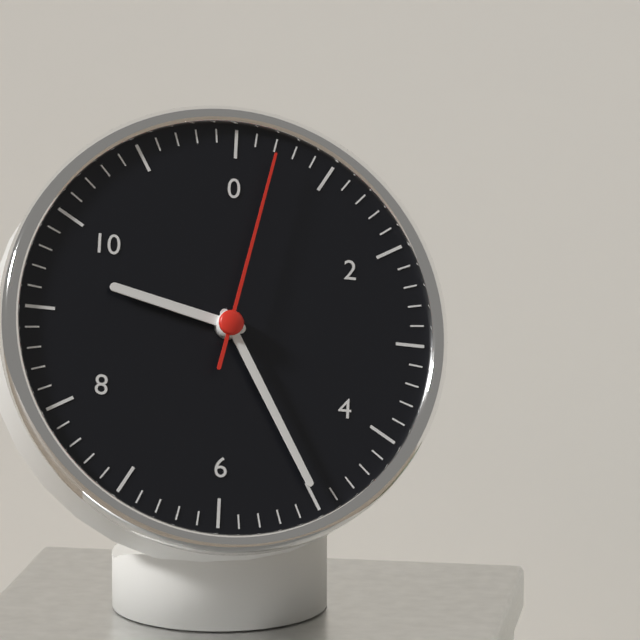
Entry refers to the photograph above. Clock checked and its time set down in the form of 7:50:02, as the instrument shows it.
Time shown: 9:25:02
